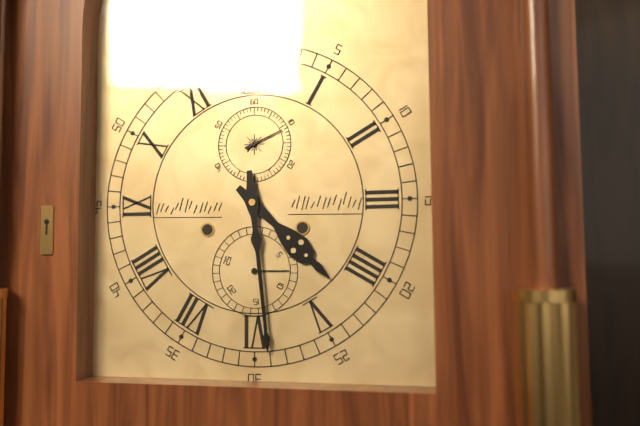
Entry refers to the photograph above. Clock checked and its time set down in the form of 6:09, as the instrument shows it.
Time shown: 4:29
